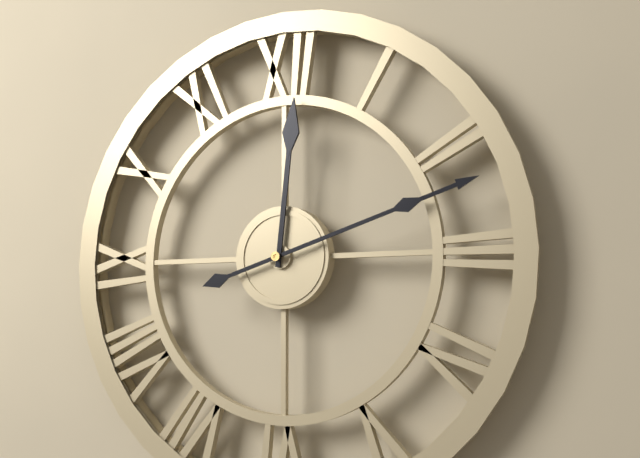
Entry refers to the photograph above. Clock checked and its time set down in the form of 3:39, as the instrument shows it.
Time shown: 12:12
